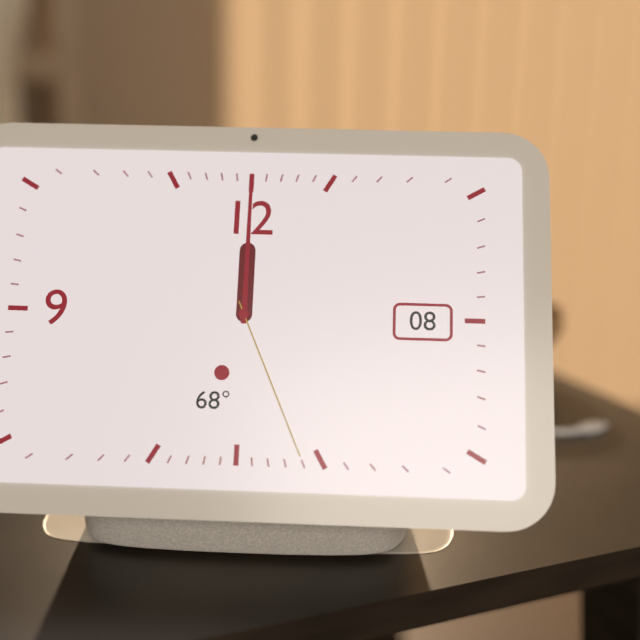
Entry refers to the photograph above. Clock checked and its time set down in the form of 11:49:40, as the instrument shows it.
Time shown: 12:00:26
